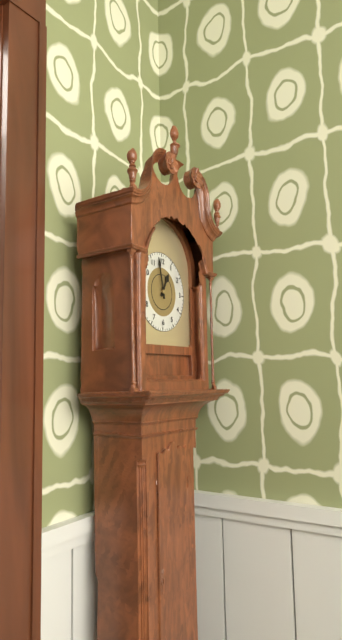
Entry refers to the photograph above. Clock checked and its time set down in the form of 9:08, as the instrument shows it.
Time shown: 12:58
